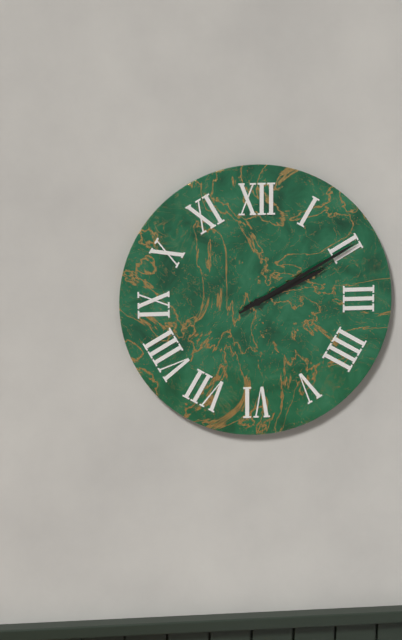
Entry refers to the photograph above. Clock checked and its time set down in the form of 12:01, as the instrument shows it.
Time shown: 2:10
